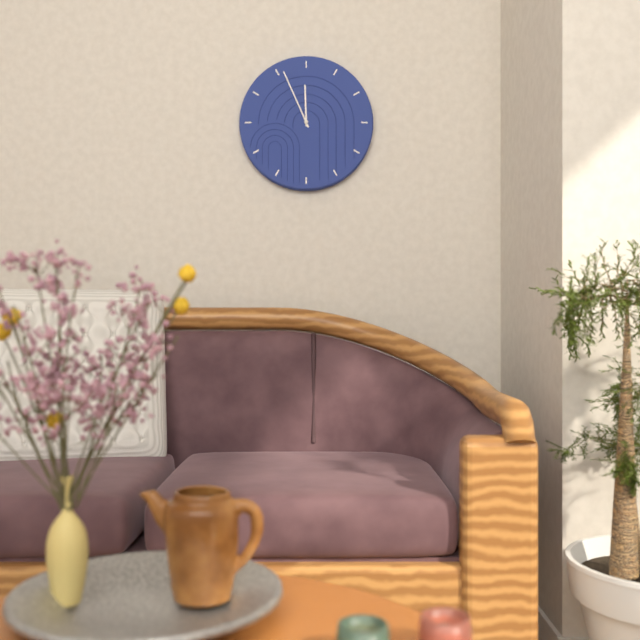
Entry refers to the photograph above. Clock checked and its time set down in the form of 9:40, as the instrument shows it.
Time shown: 11:56
